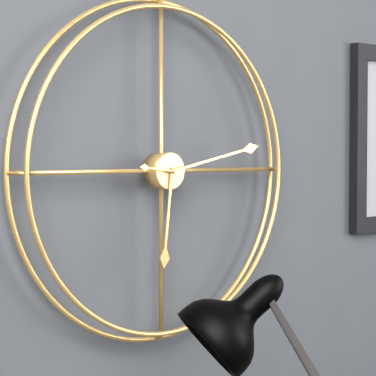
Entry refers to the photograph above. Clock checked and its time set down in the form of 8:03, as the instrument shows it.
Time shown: 6:13
